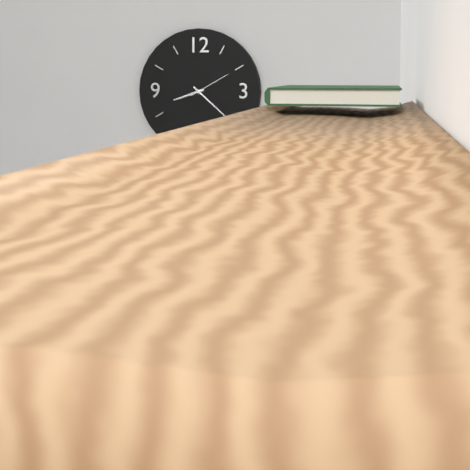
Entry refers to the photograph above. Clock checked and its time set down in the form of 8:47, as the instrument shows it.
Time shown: 8:22
